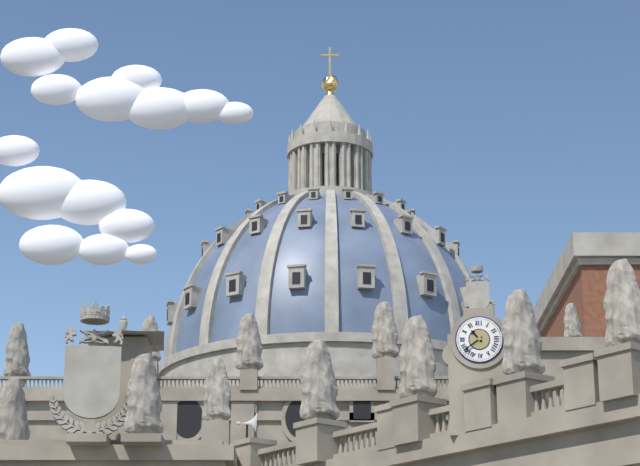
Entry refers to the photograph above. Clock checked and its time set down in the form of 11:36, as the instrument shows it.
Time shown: 10:39
